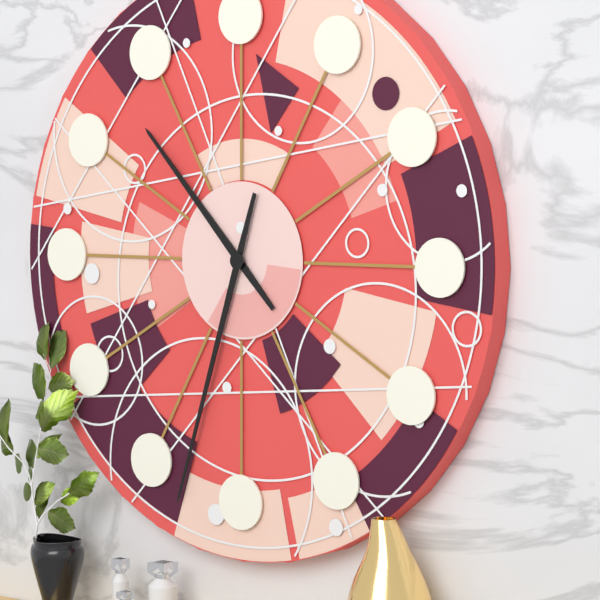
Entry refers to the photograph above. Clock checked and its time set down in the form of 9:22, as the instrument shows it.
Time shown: 10:33
